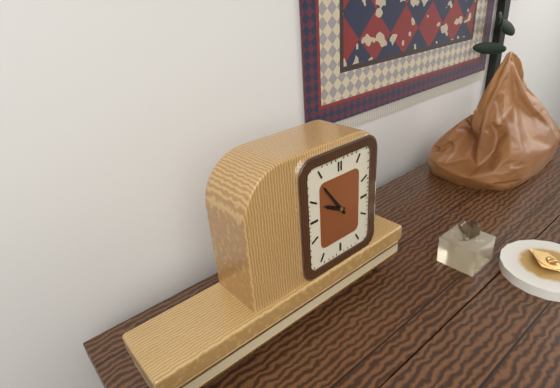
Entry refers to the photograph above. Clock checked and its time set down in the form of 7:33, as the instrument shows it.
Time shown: 9:54
